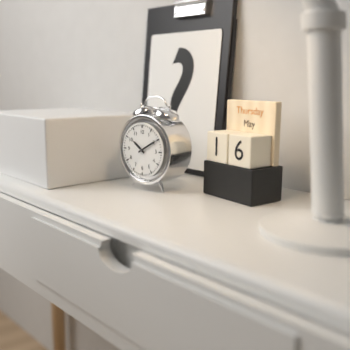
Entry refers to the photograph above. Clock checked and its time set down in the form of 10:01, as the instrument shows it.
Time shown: 10:10
